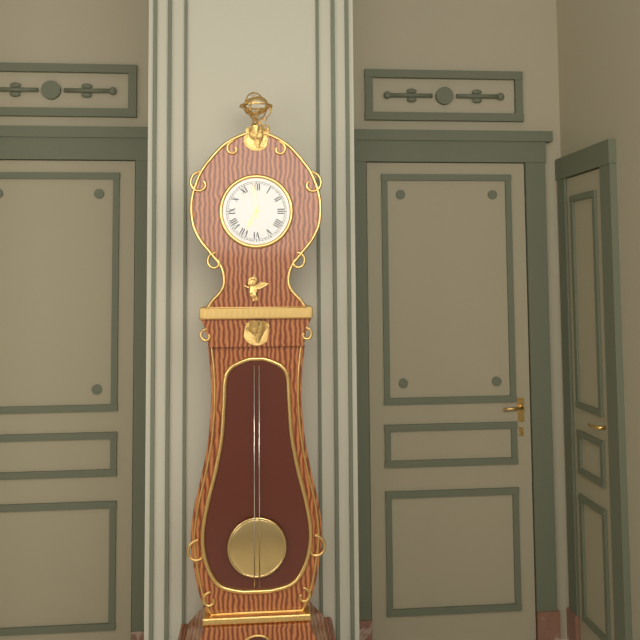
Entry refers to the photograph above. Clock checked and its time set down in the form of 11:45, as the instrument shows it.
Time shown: 6:59
